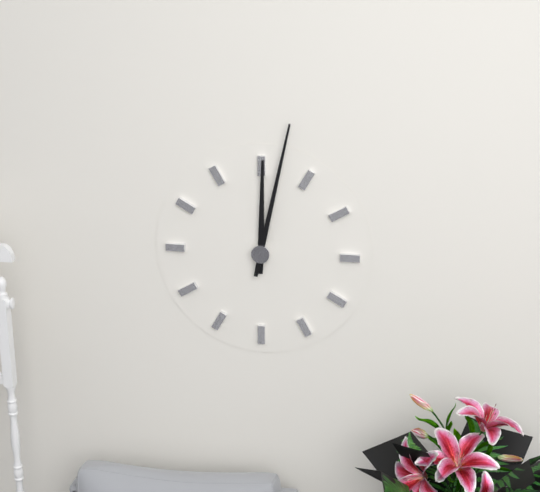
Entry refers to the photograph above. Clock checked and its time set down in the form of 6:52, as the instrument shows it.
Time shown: 12:02
